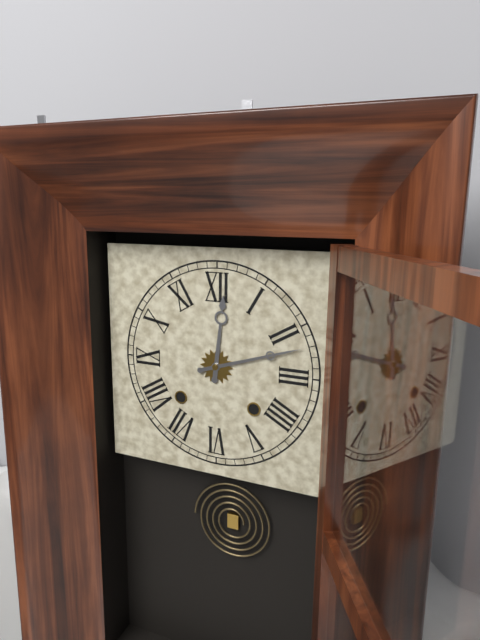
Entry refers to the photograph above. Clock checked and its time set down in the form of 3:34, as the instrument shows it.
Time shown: 12:12
